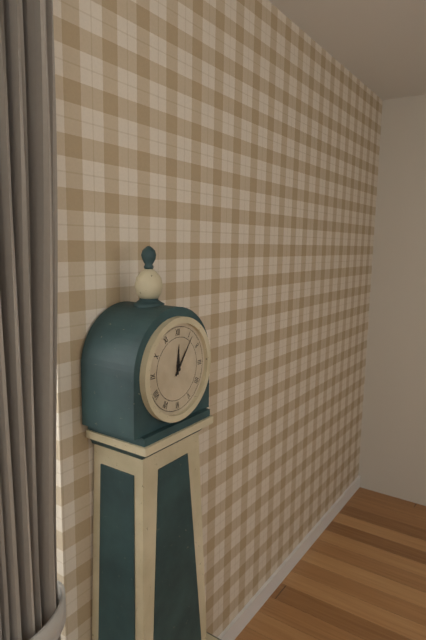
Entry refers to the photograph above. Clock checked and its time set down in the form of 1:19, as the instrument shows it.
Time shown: 12:06
